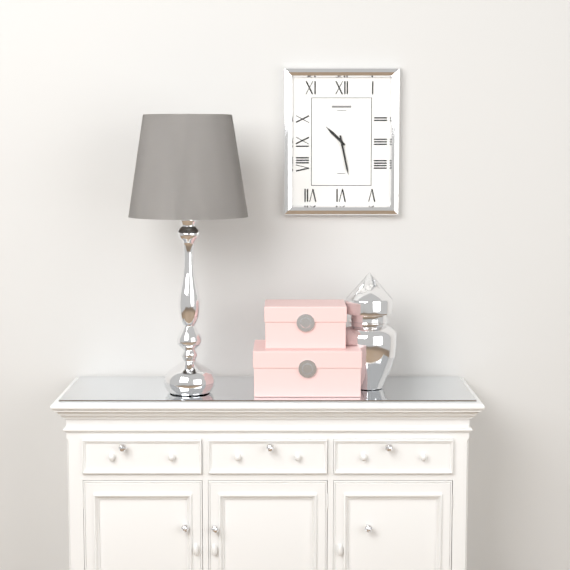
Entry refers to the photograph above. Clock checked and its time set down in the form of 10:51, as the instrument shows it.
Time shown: 10:28
